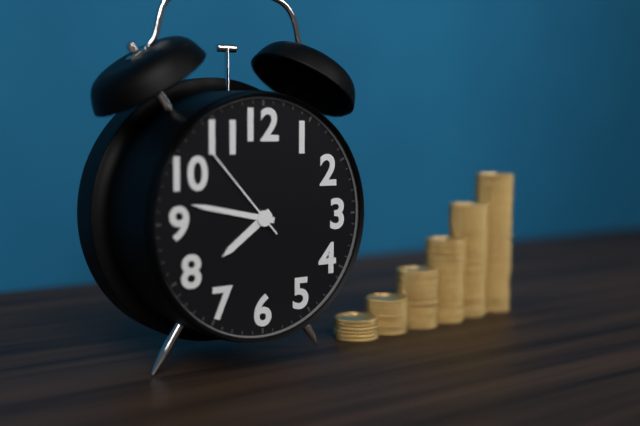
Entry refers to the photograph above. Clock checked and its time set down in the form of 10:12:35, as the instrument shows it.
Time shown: 7:47:53
